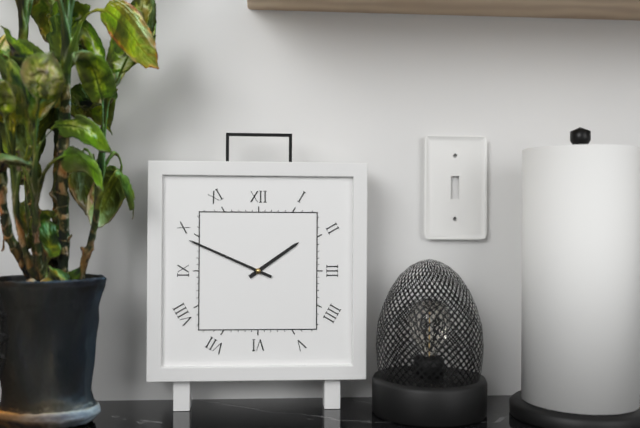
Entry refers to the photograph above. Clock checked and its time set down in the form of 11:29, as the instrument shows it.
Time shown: 1:49
